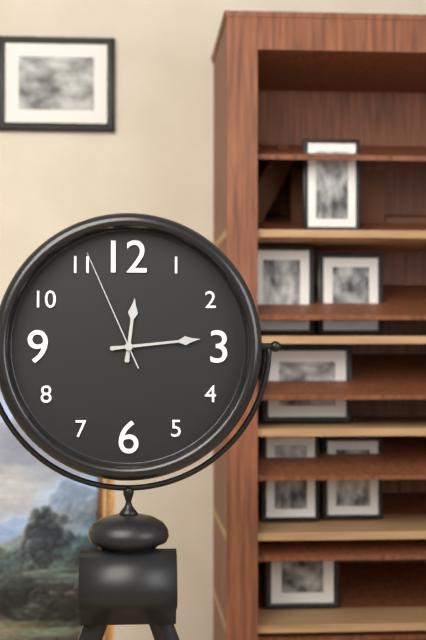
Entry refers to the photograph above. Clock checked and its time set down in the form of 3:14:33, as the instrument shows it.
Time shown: 12:14:56
